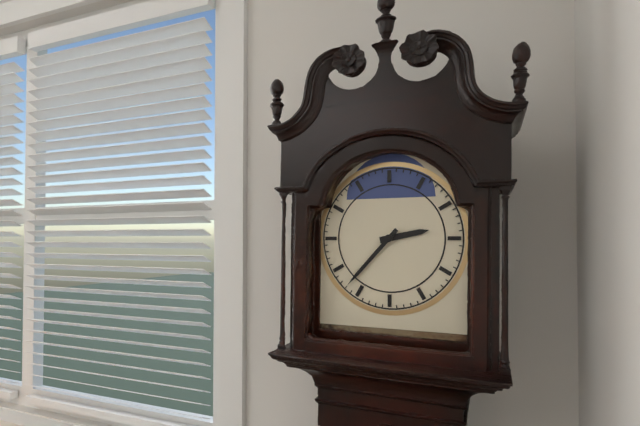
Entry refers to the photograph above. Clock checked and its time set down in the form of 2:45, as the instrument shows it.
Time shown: 2:37
